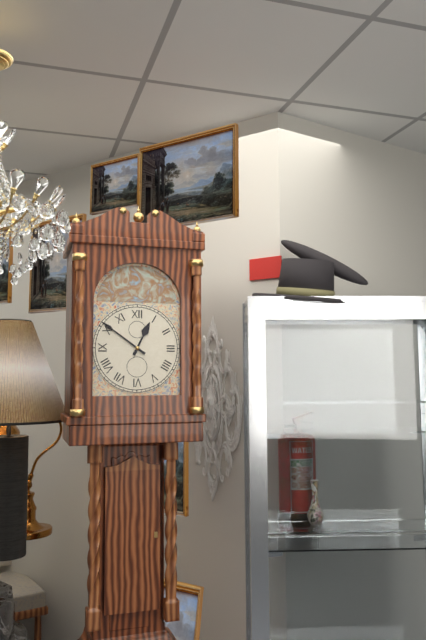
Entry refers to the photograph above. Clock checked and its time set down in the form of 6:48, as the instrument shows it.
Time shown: 12:51
